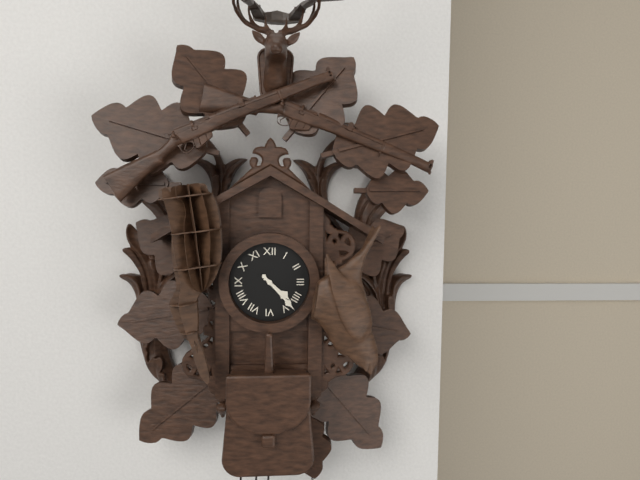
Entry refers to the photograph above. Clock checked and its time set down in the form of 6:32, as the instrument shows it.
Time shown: 4:23
